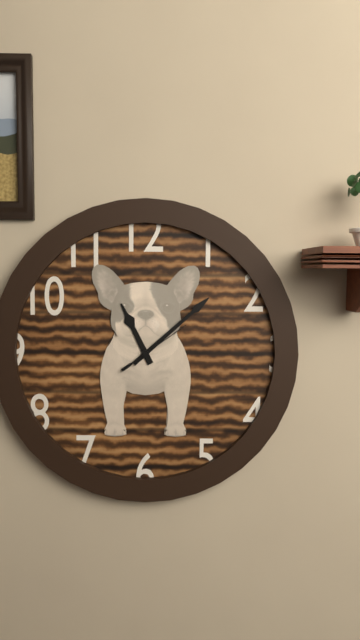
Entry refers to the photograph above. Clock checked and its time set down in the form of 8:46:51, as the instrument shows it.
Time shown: 11:08:09
